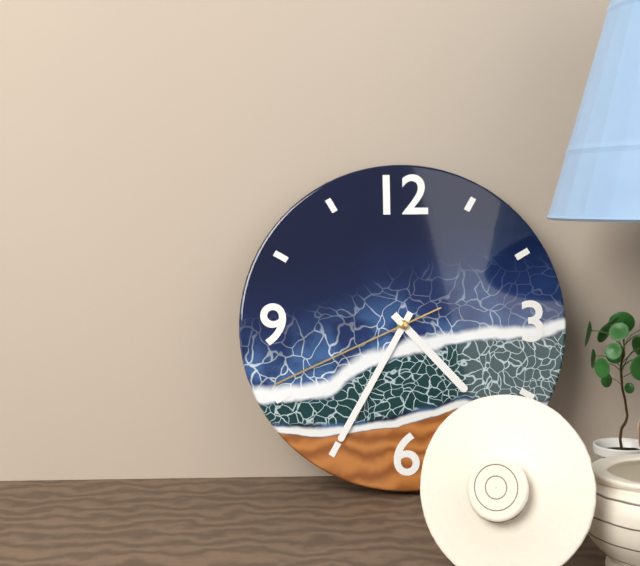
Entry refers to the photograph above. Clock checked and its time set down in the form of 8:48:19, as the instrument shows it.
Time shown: 4:35:41
